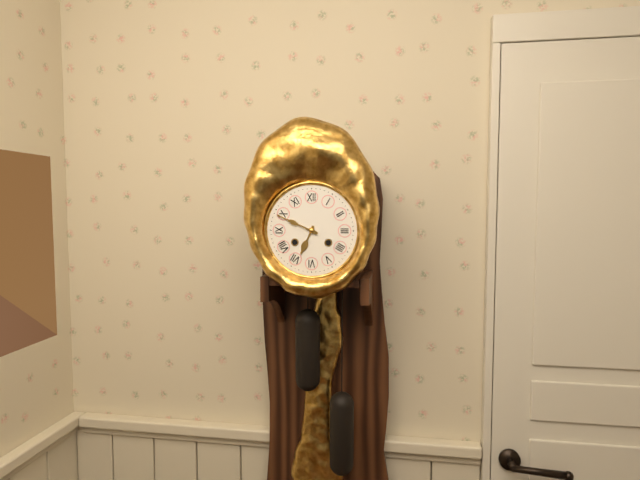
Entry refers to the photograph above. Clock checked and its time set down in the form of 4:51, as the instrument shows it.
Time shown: 6:49
